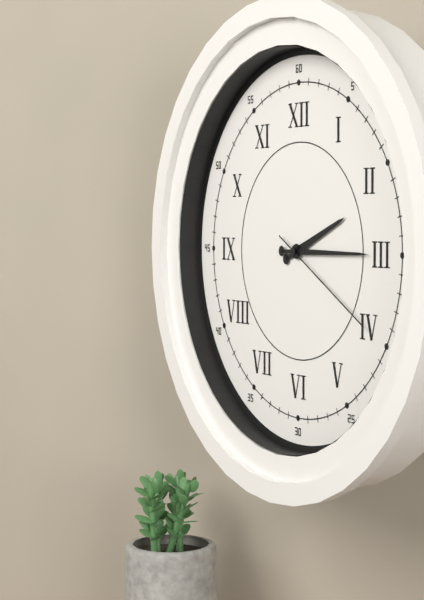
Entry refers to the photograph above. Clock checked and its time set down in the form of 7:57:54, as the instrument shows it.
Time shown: 2:15:20
